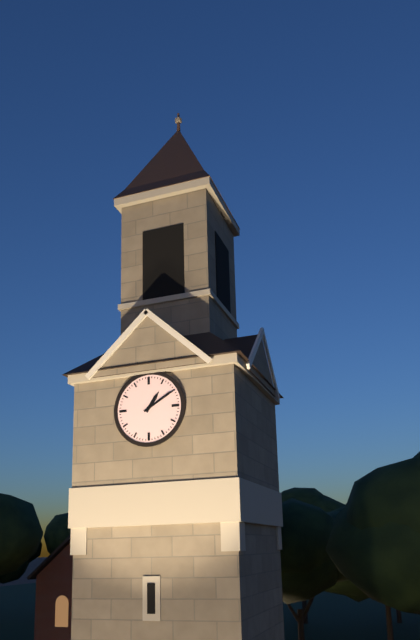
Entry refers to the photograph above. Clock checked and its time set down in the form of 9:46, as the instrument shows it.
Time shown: 1:10
